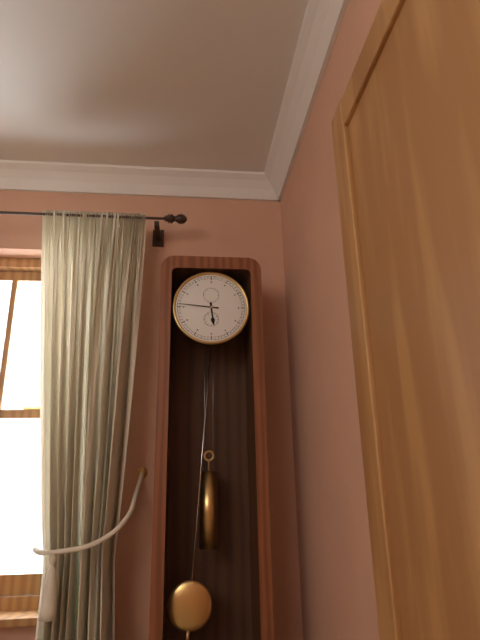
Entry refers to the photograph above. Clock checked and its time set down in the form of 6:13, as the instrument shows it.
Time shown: 5:46
